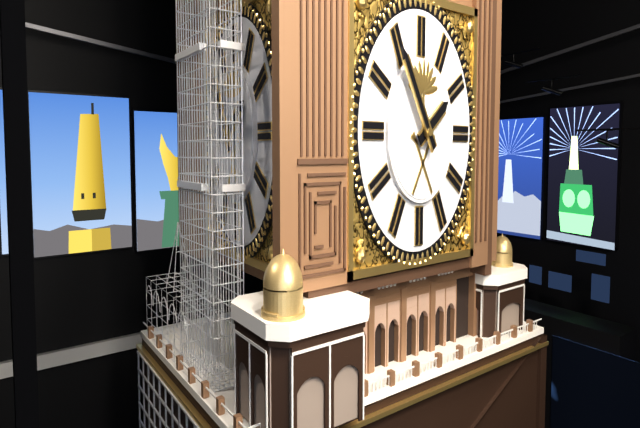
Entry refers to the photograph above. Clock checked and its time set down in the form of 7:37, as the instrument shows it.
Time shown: 1:54
